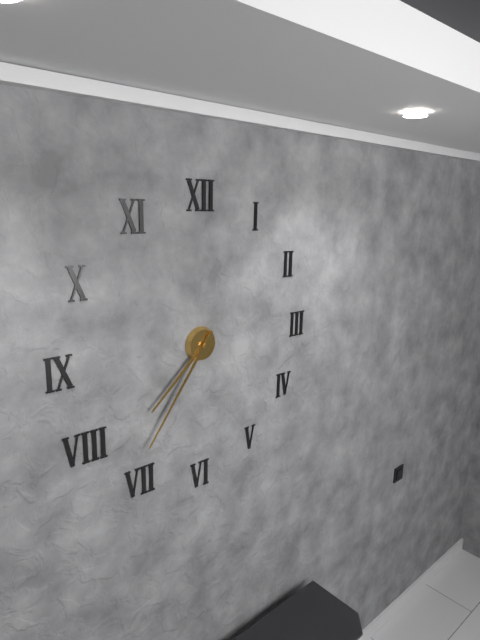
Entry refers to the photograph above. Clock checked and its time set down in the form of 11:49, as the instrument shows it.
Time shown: 7:36
